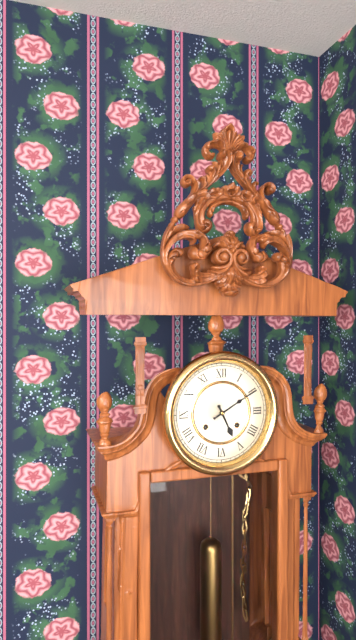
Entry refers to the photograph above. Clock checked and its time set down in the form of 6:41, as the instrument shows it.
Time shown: 5:10
